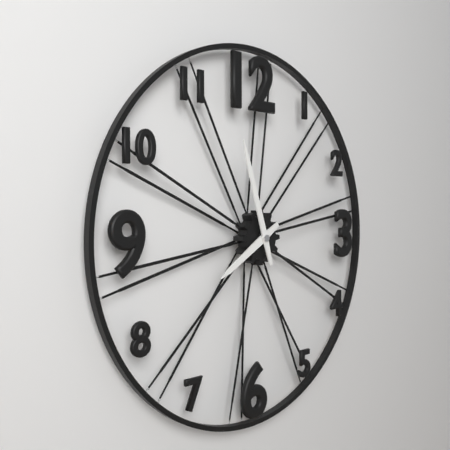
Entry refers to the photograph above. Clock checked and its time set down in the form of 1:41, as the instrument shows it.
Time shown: 7:57
